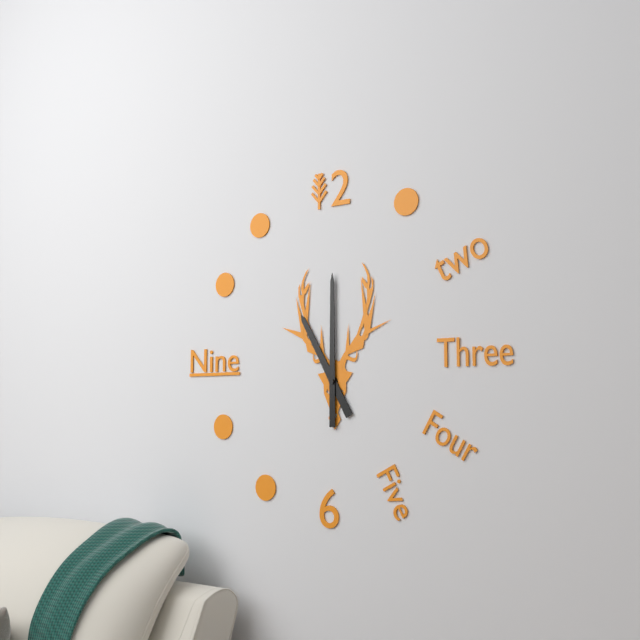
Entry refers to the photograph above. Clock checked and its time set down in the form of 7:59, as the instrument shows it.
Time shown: 11:00
